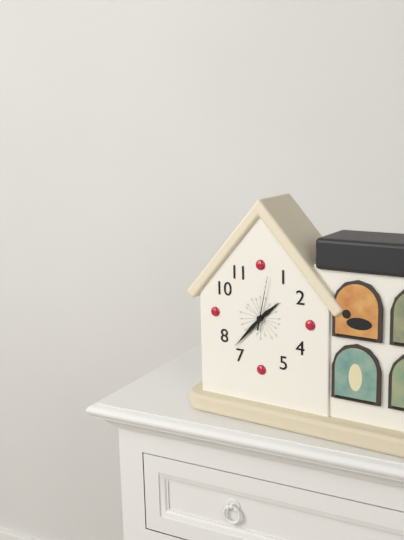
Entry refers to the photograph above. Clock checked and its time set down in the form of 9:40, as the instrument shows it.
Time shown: 1:37
